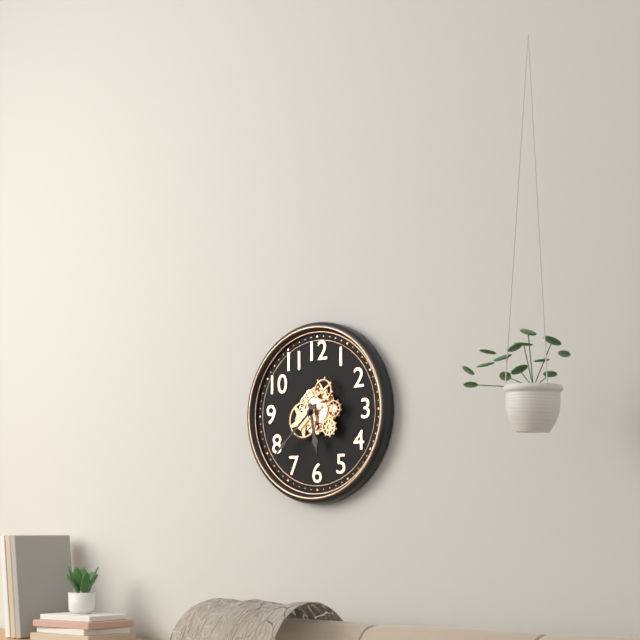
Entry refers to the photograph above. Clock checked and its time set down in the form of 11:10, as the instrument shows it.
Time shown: 5:38
